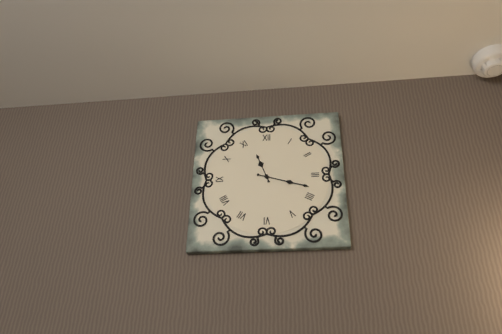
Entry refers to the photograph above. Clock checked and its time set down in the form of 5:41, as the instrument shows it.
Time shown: 11:18
